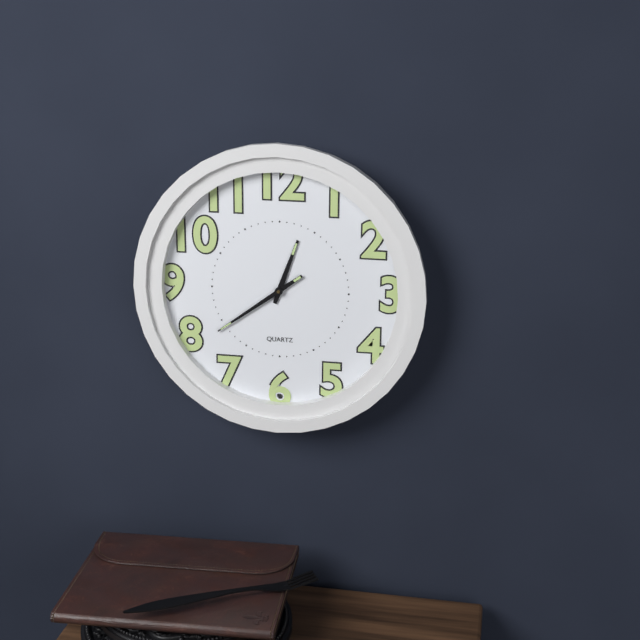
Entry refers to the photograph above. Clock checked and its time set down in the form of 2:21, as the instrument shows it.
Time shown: 12:39
